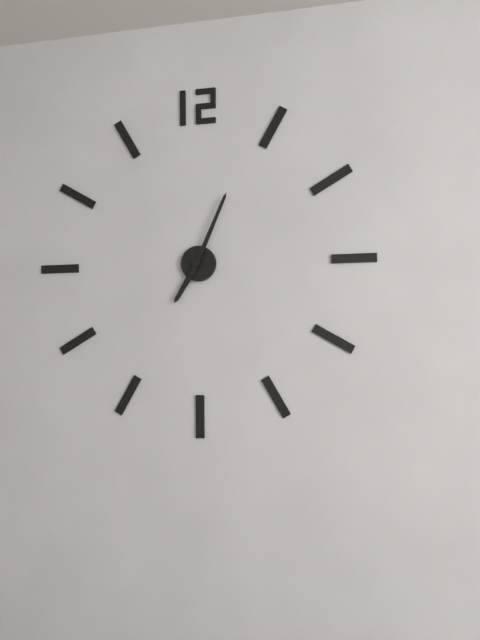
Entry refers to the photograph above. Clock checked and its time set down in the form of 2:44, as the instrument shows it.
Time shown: 7:04
